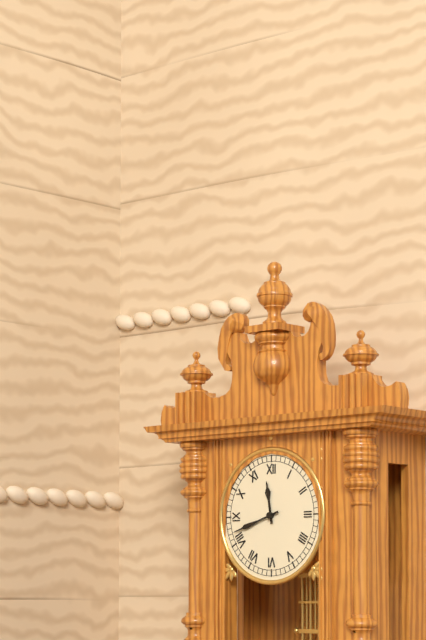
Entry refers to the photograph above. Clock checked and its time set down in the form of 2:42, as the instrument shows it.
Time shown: 11:42
